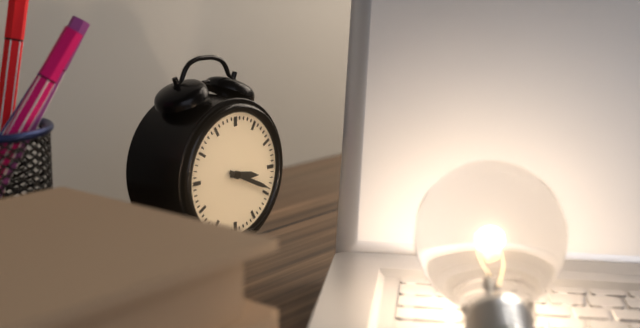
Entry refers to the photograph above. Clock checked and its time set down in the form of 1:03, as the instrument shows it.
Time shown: 3:19
